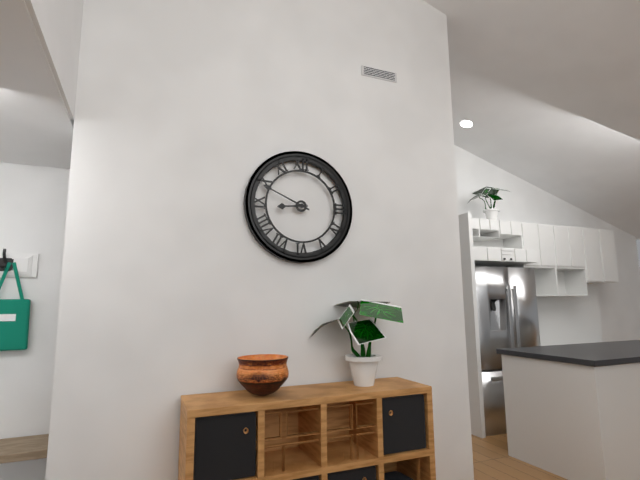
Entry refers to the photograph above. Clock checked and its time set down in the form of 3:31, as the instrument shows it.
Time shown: 8:49
